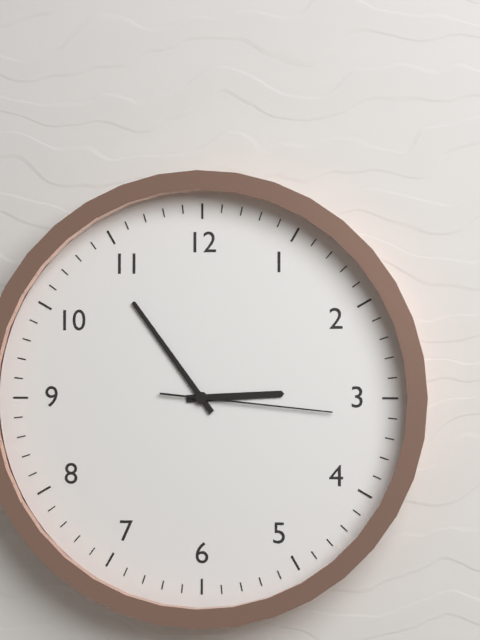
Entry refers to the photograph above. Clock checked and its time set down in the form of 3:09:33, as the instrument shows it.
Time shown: 2:54:16
